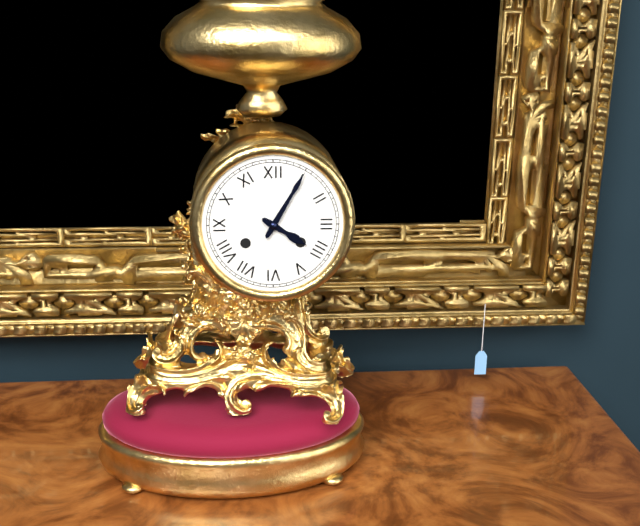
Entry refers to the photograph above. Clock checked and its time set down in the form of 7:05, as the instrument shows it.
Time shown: 4:05
